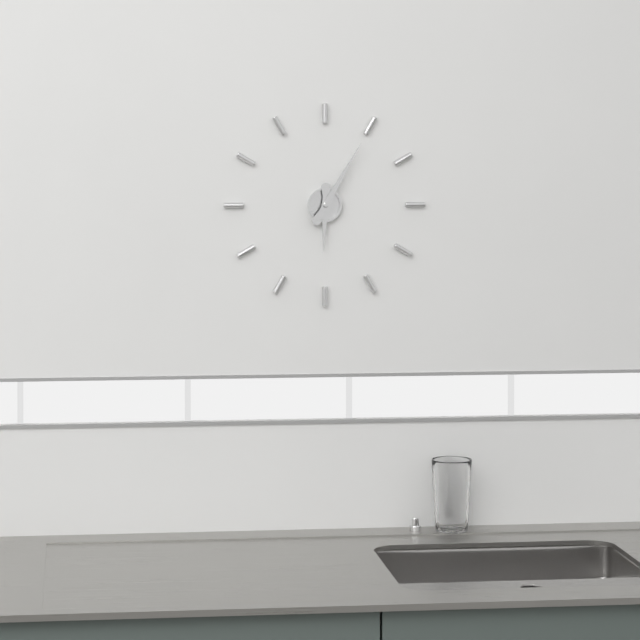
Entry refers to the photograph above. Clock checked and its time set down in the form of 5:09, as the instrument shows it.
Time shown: 6:05
